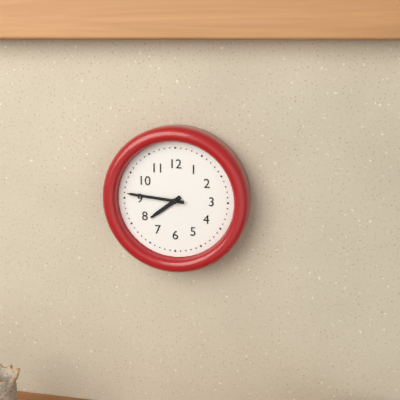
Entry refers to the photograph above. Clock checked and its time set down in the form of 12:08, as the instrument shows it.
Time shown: 7:46
